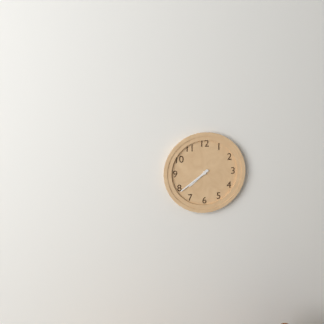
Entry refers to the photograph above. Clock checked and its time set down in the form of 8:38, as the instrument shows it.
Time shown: 7:39
